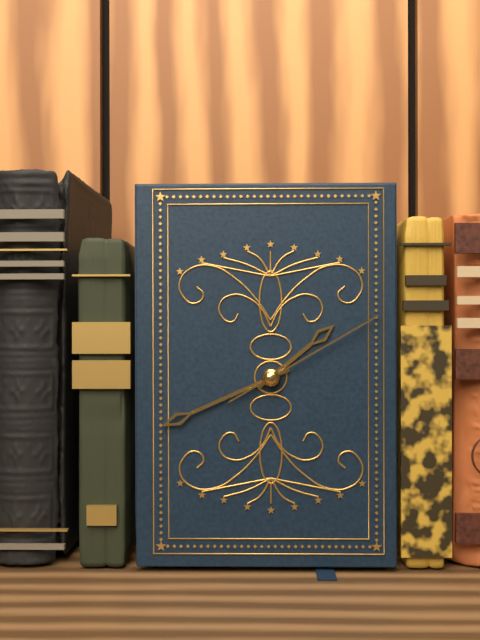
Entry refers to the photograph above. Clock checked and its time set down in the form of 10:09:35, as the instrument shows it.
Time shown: 1:41:10
